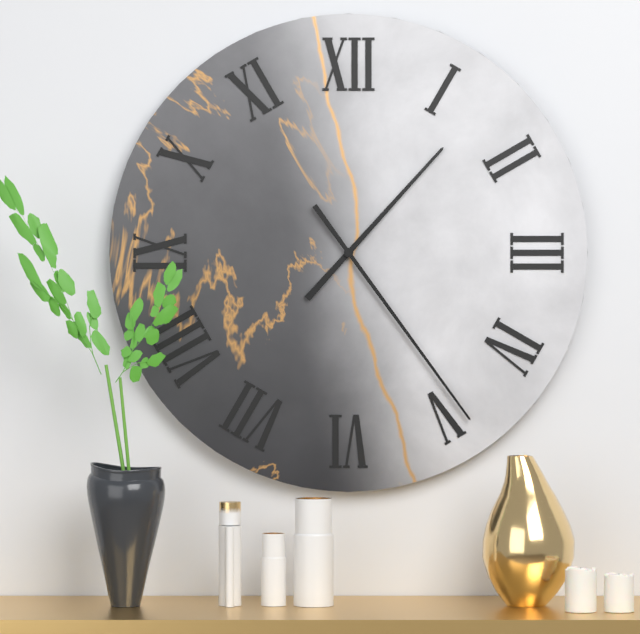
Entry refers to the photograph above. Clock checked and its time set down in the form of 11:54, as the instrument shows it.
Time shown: 1:24
